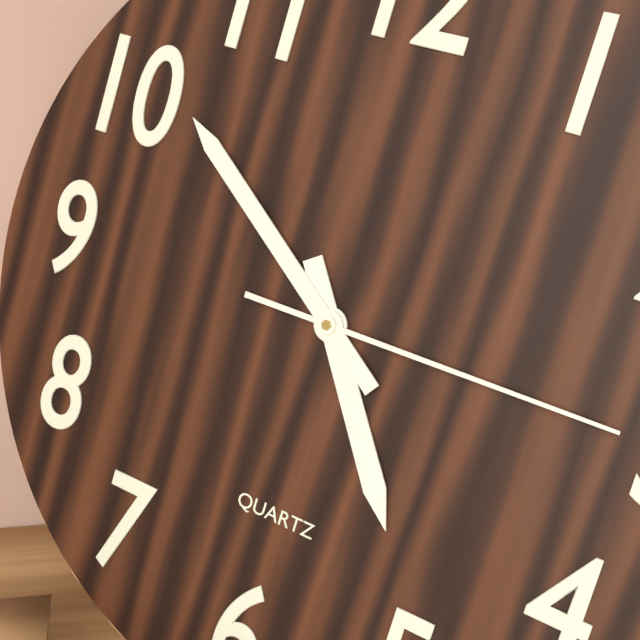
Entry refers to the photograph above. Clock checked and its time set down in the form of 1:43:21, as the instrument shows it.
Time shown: 4:51:15
